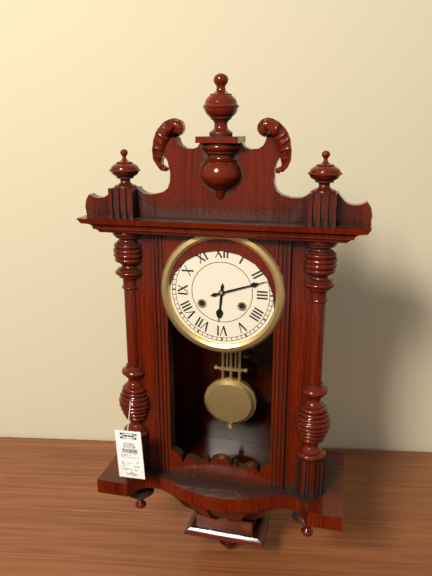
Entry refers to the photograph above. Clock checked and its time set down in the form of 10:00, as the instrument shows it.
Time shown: 6:12
